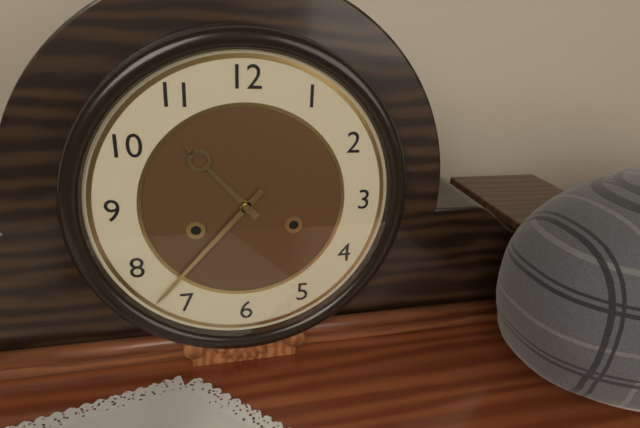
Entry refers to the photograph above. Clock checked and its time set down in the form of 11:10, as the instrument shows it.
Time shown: 10:37
